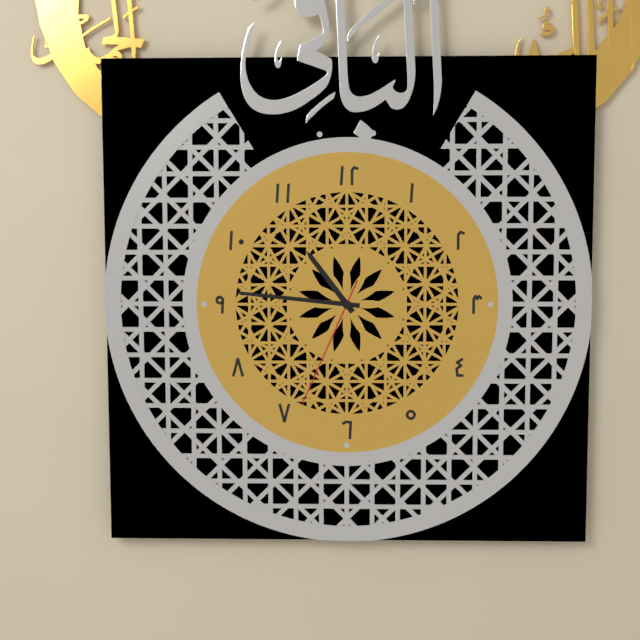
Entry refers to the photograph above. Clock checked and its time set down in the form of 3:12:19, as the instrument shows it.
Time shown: 10:46:34
